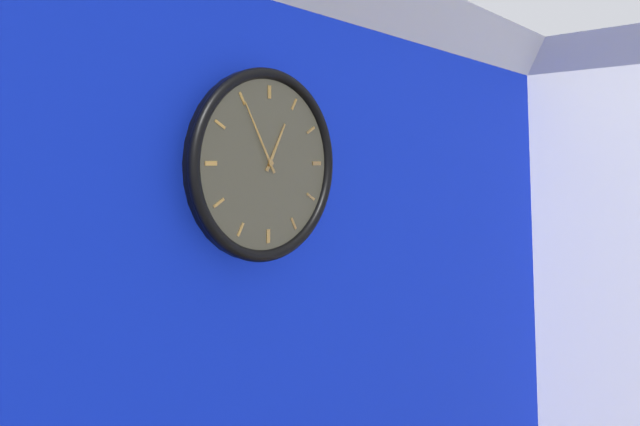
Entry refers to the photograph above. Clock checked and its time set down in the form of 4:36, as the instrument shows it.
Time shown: 12:55
